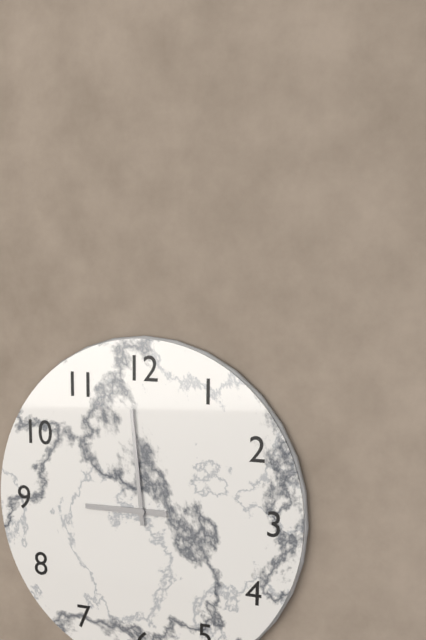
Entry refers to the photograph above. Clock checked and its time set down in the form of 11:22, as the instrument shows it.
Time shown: 8:59
